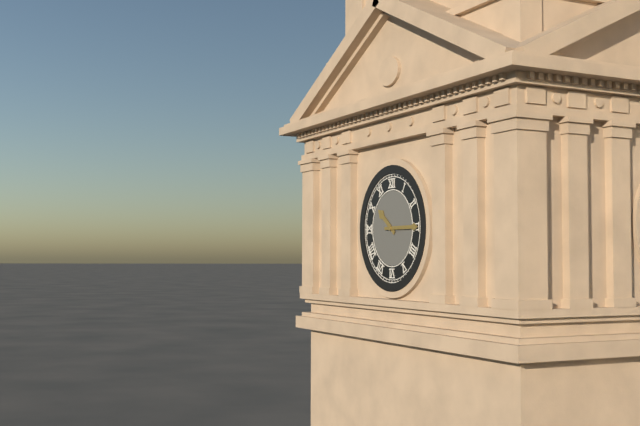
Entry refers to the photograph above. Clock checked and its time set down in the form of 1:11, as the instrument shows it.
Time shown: 10:15
